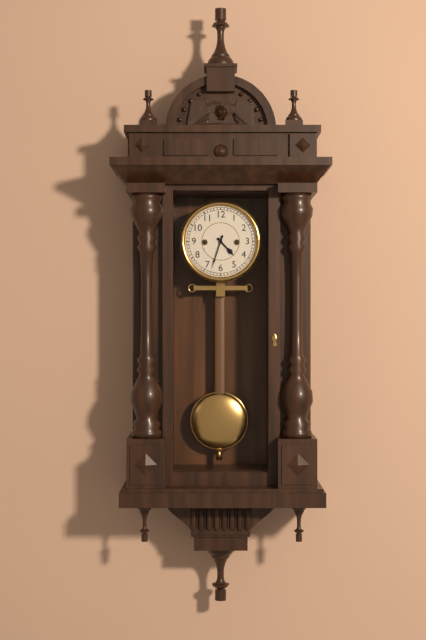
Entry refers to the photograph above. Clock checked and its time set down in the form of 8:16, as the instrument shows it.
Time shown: 4:33
